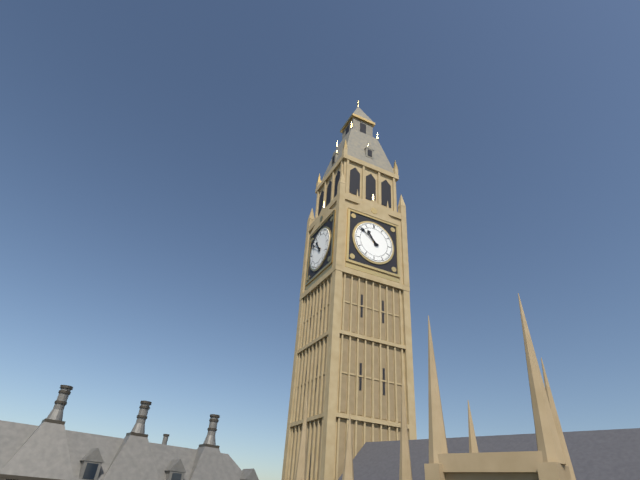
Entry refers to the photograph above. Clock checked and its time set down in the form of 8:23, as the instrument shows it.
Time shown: 10:51
